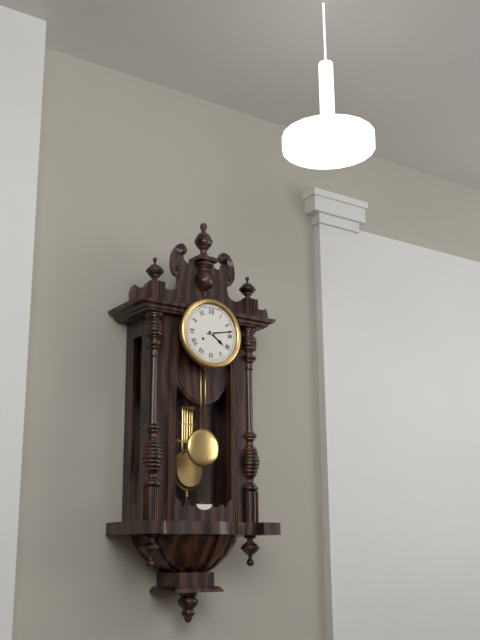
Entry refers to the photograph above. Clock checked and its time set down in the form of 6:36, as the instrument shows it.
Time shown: 4:13
